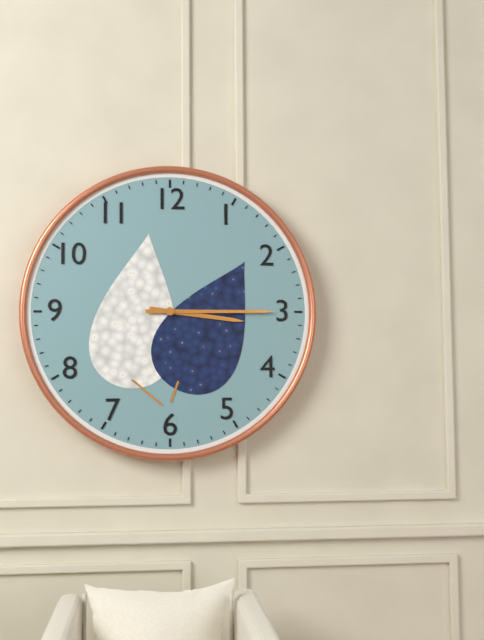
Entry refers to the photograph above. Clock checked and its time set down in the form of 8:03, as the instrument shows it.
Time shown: 3:15
